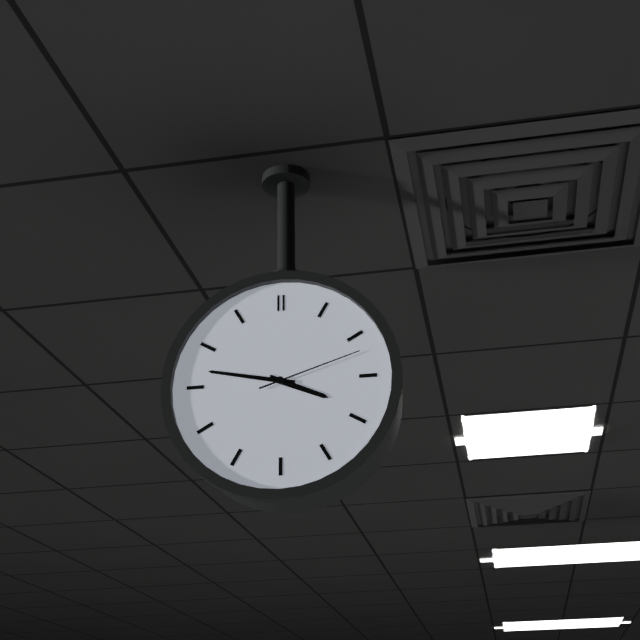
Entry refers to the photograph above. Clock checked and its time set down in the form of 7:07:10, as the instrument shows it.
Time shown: 3:47:12
